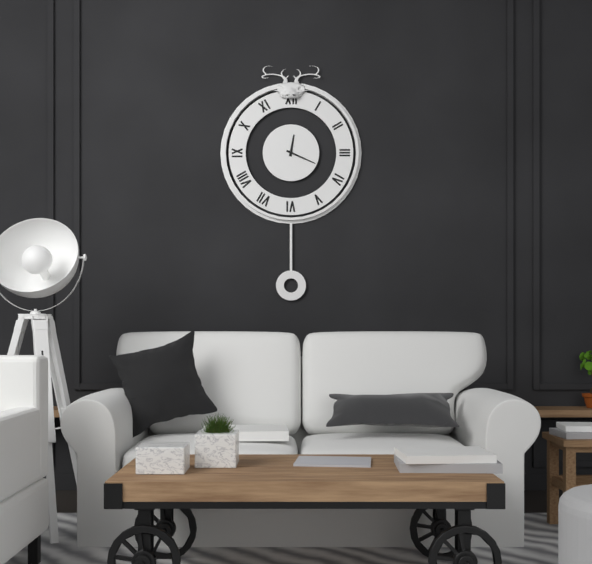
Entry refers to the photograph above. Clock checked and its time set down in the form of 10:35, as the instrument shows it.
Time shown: 12:19
